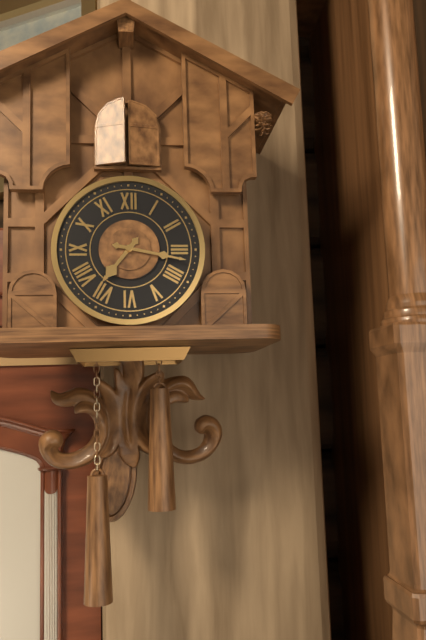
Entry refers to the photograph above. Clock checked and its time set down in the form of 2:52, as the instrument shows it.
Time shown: 7:17
